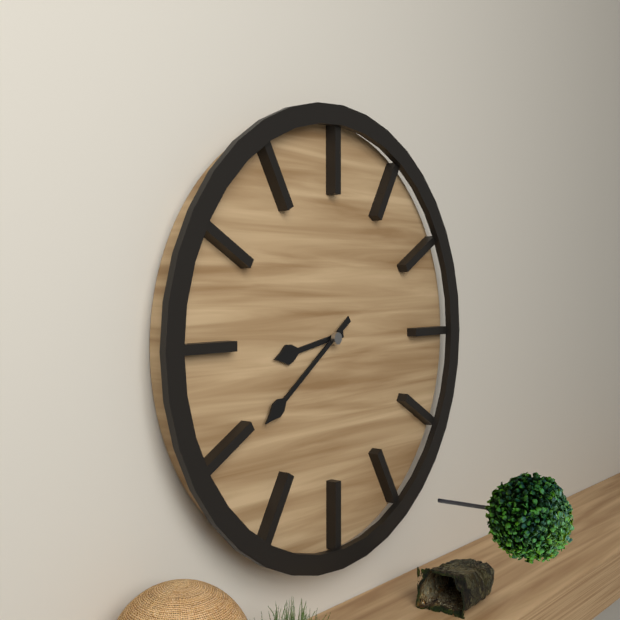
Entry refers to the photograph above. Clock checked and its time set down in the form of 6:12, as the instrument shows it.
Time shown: 8:39
